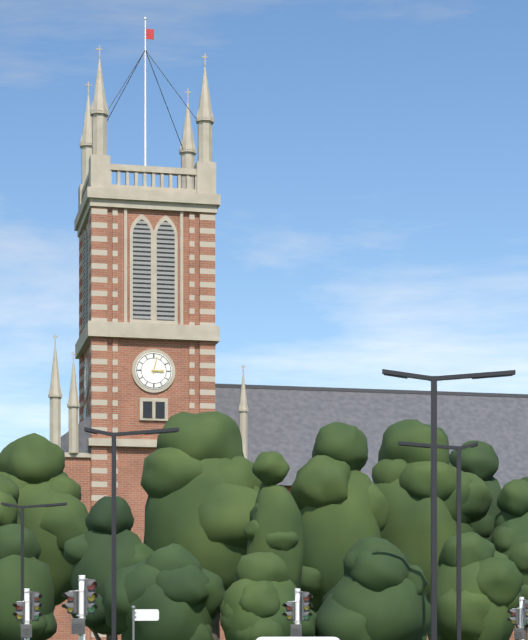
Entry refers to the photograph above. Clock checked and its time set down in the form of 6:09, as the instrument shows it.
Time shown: 3:02
